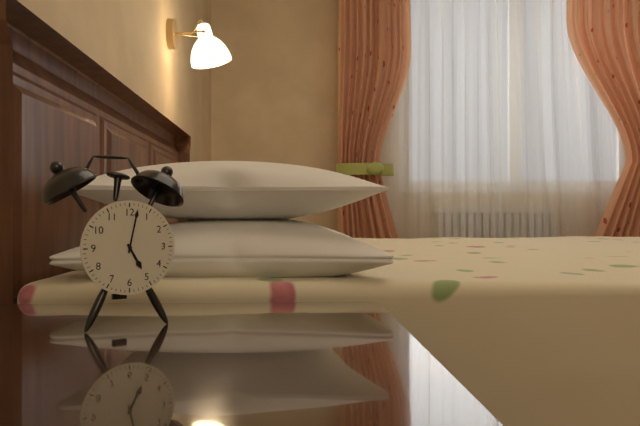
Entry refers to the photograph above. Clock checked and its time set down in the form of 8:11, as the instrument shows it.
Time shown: 5:02
